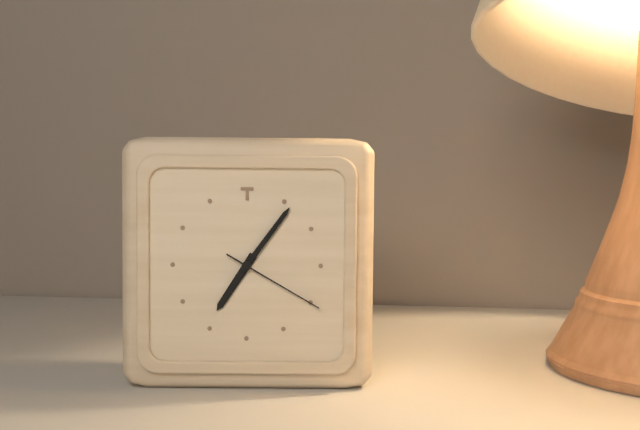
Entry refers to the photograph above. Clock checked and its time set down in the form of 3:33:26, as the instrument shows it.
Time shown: 7:06:20
